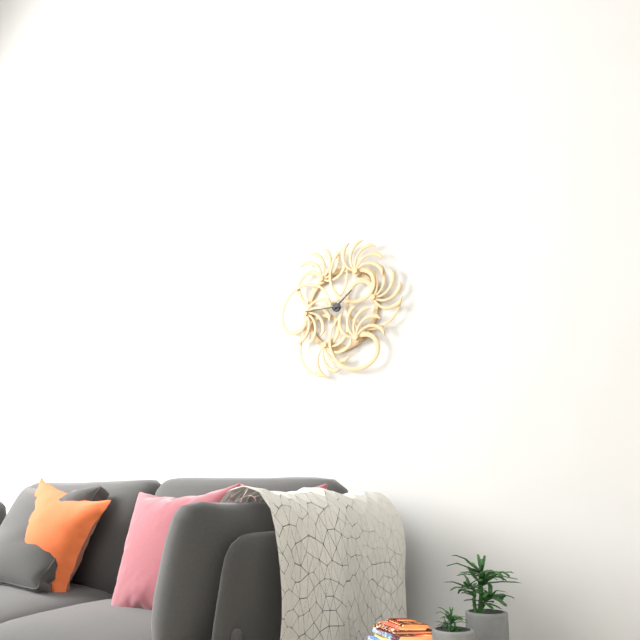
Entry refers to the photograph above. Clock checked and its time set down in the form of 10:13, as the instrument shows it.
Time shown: 1:45
